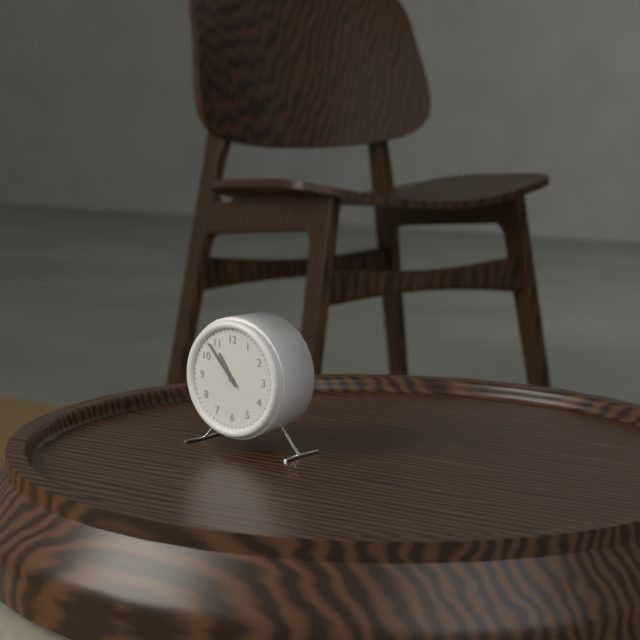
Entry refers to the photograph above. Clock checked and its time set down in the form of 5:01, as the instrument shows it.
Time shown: 10:53
